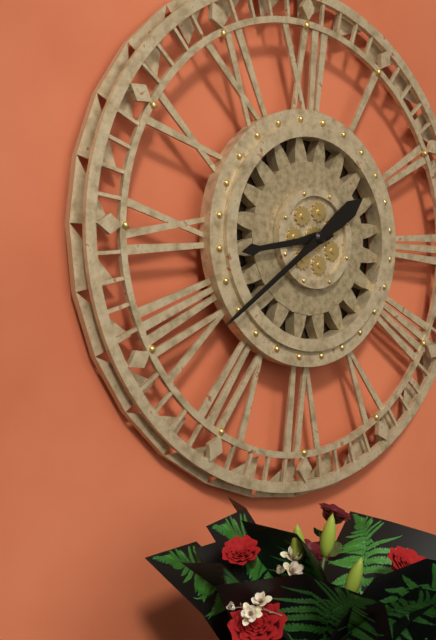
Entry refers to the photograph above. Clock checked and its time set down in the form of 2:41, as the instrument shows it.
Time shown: 8:39
